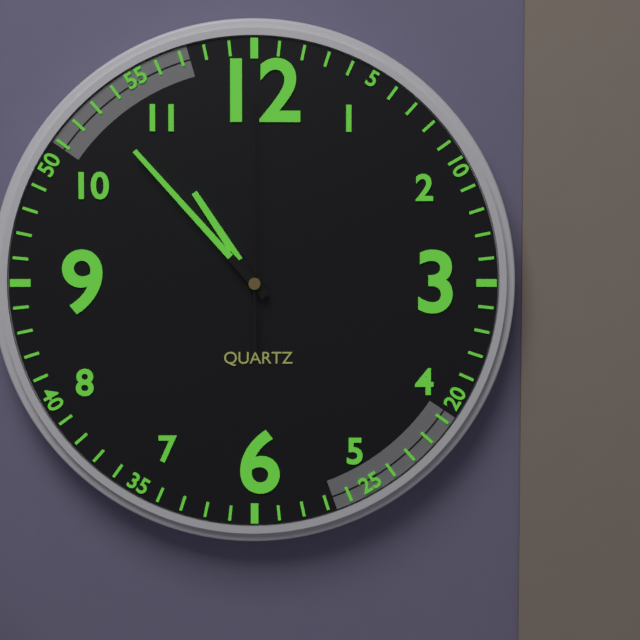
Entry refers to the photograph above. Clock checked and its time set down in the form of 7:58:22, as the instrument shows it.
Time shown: 10:53:00
